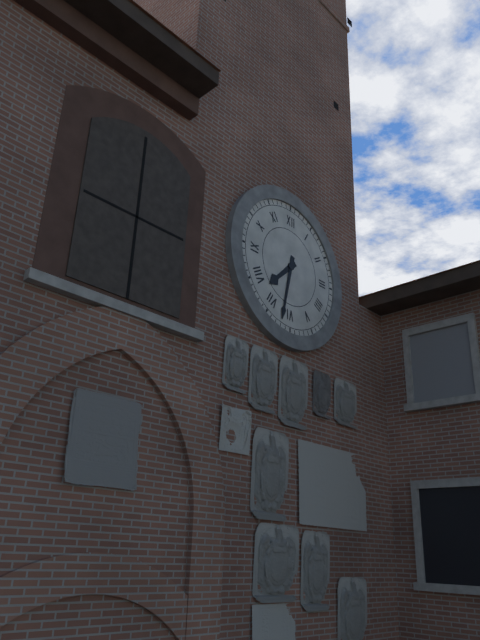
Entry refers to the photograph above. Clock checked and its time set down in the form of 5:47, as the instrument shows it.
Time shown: 7:32
